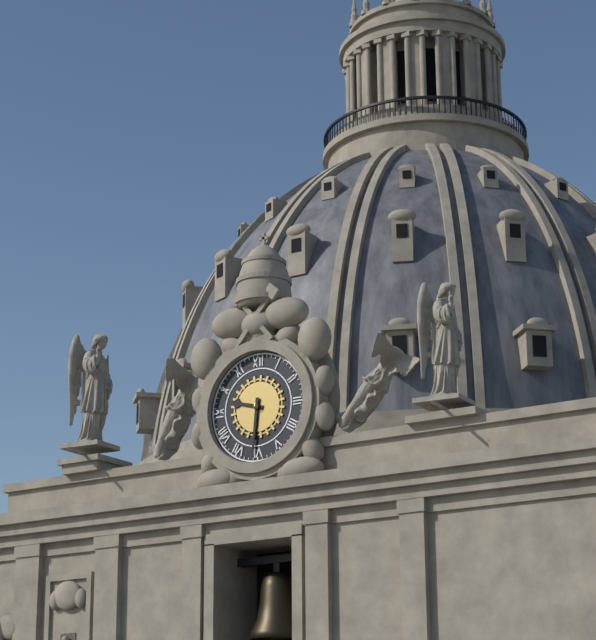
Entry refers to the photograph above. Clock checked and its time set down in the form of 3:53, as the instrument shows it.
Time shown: 9:31
